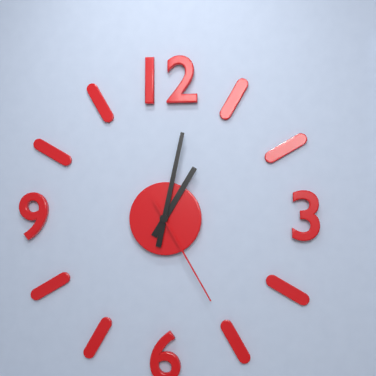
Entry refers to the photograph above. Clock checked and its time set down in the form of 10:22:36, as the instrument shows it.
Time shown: 1:02:25
